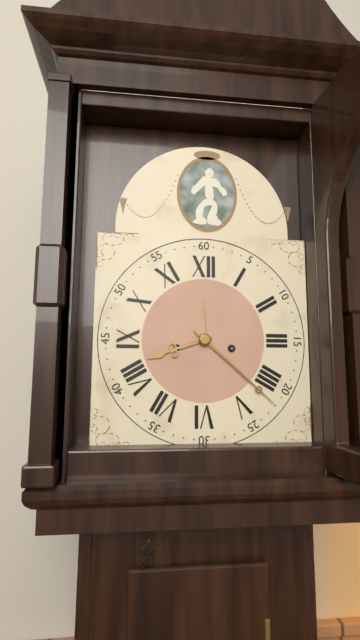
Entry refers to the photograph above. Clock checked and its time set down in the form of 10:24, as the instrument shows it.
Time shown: 8:22
